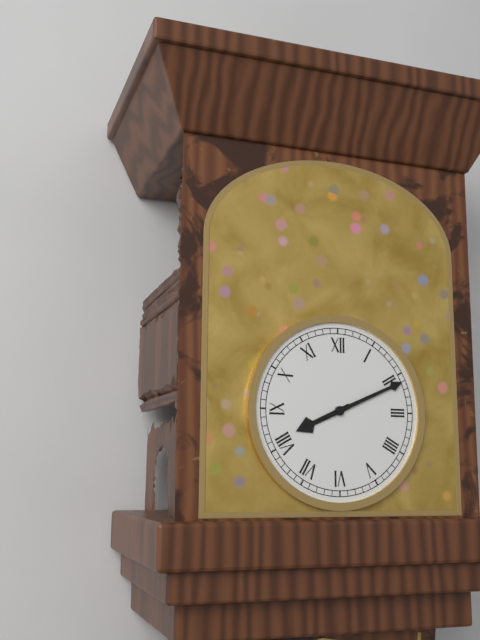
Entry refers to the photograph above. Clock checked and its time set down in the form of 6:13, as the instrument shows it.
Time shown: 8:11
